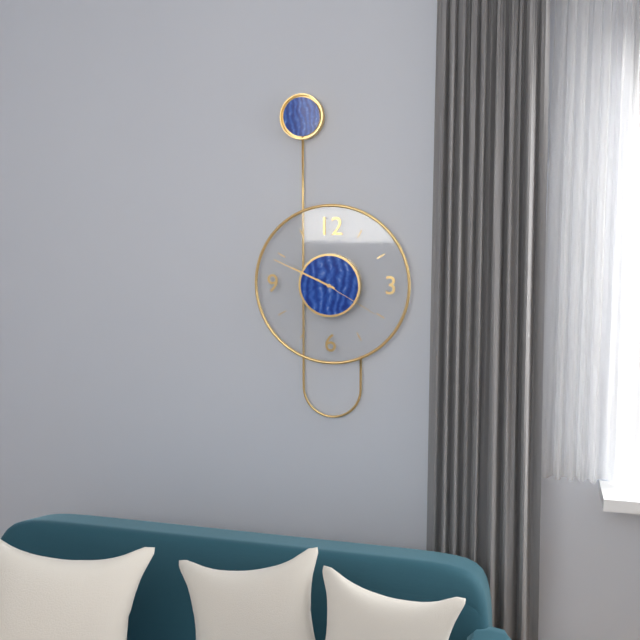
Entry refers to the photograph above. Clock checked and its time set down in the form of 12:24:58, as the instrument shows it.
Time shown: 9:49:20
